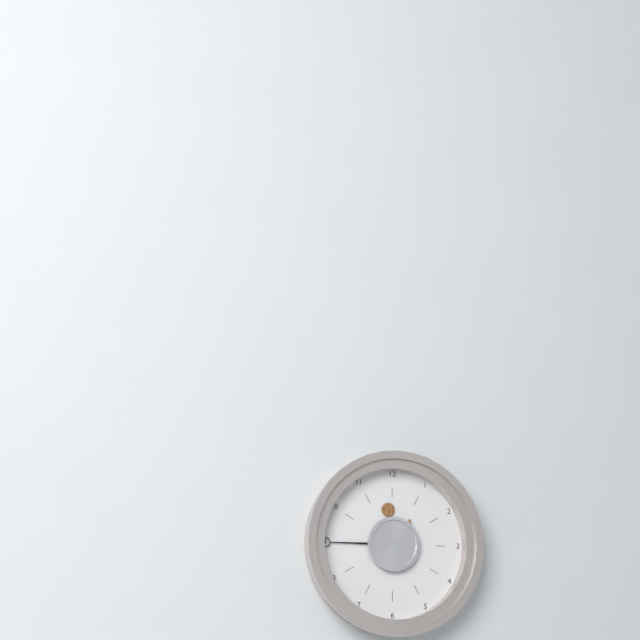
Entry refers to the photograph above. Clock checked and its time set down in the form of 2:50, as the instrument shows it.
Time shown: 11:45
